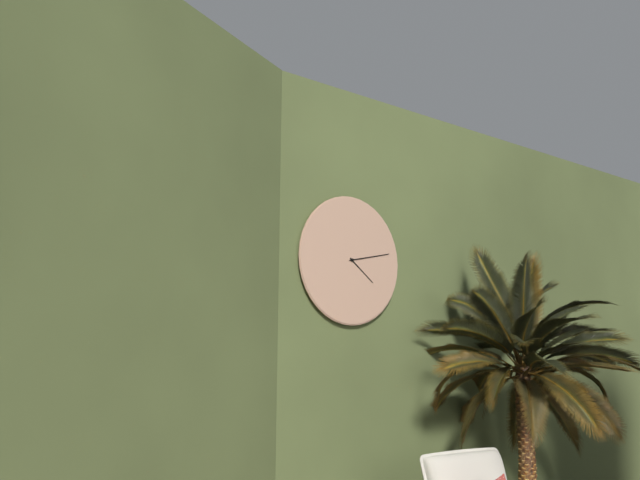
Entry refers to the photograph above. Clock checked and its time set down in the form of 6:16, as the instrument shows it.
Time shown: 4:13
